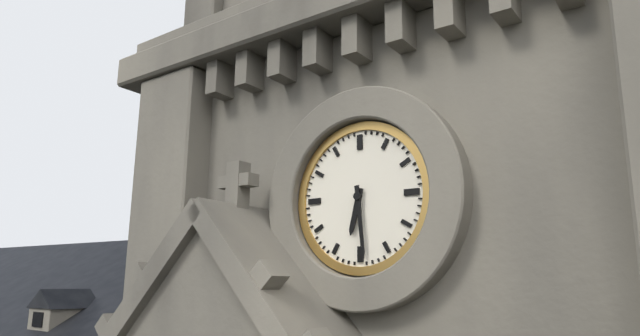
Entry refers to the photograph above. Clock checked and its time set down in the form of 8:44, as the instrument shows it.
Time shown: 6:29
